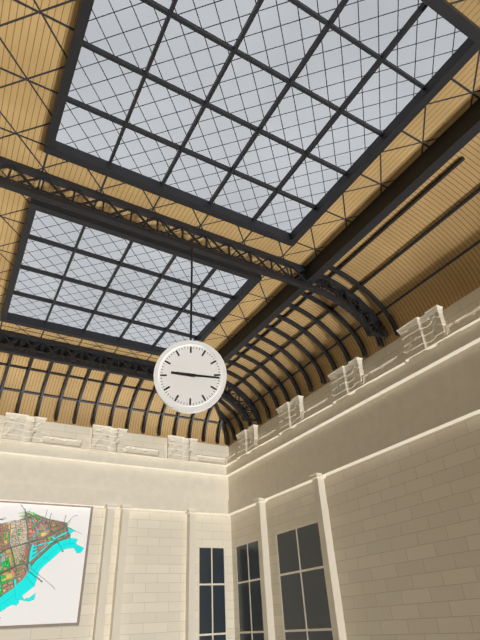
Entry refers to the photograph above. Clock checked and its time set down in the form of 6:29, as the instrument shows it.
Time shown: 9:16
